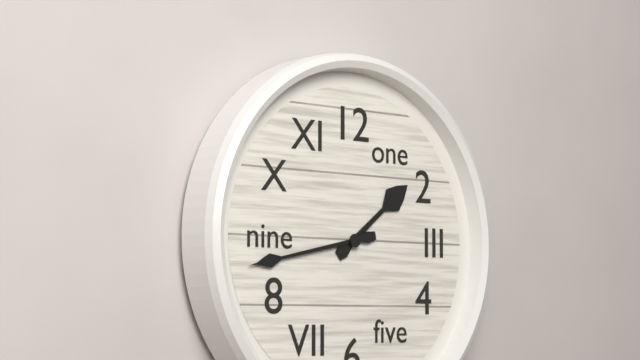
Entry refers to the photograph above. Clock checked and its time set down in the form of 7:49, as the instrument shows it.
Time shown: 1:43
